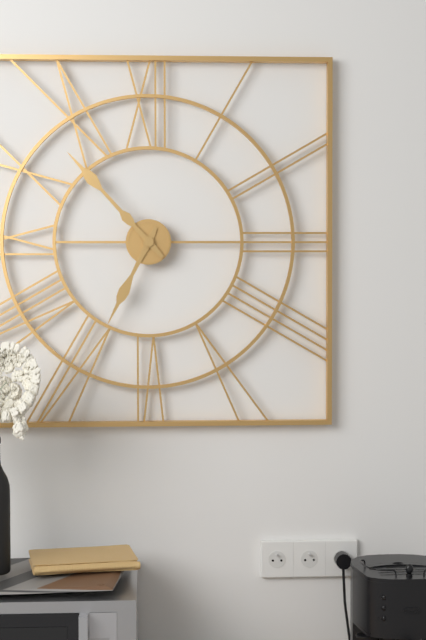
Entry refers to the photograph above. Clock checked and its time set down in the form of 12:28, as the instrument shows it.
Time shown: 6:53
